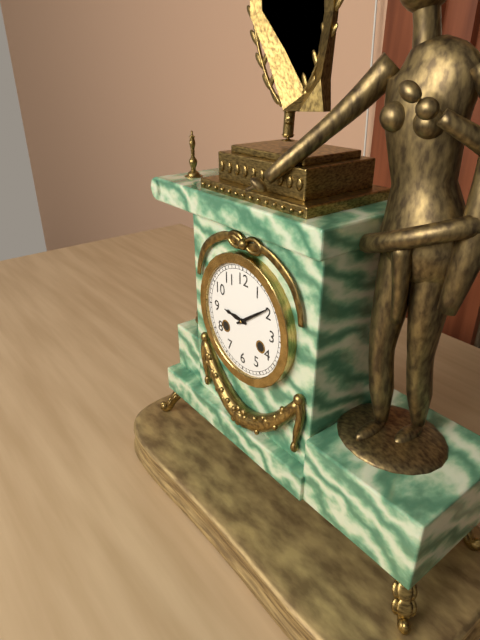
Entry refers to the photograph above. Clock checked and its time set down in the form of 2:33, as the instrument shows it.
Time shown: 9:09
